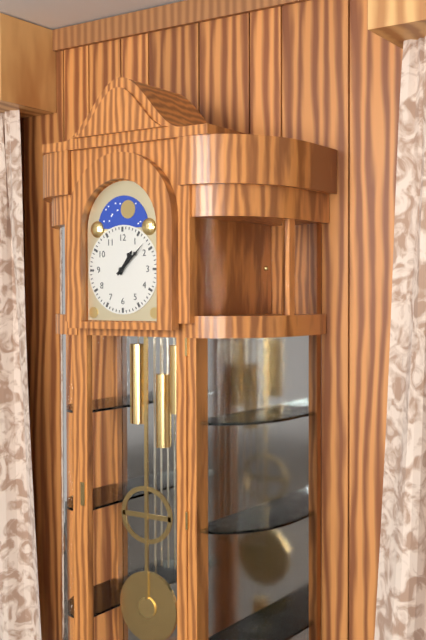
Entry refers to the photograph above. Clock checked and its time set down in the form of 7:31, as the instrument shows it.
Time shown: 1:08
